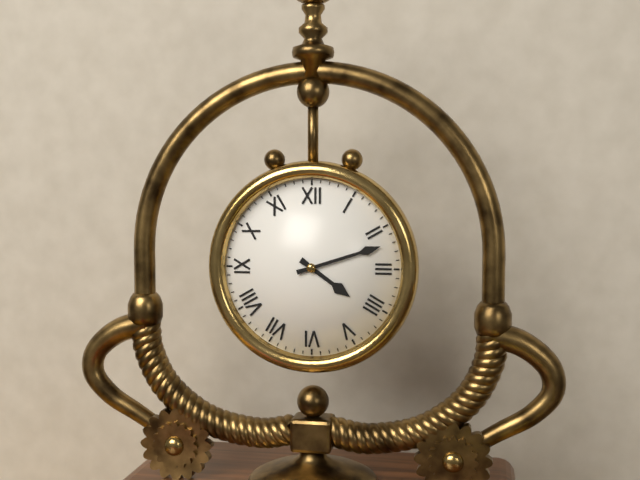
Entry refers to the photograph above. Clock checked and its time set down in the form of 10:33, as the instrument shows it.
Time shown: 4:12
